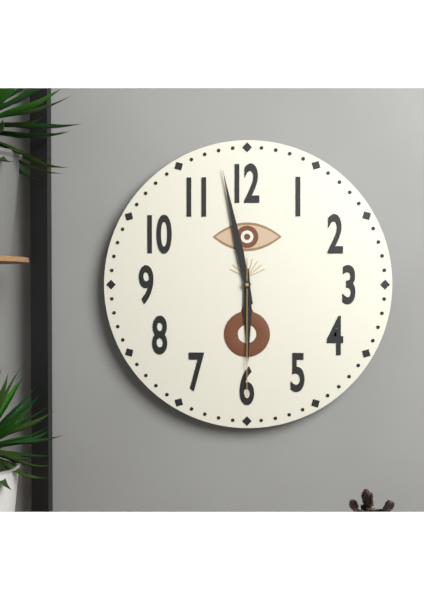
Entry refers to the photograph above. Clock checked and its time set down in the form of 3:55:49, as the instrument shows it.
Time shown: 5:58:30
